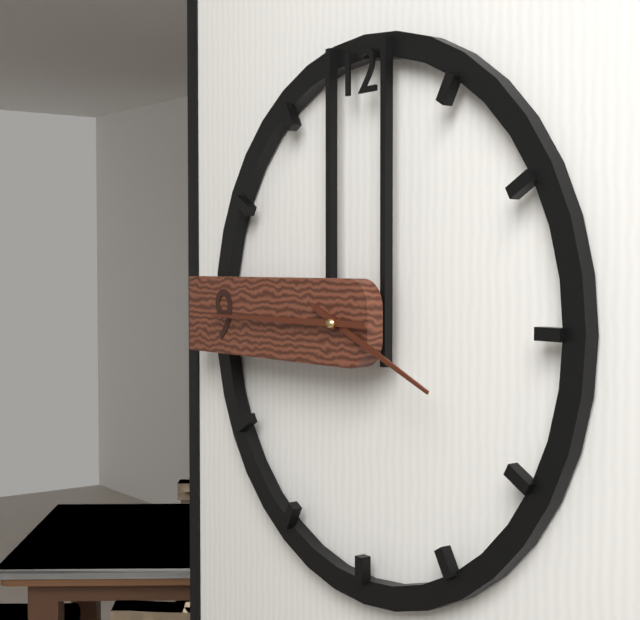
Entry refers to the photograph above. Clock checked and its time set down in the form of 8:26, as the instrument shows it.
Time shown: 3:45
